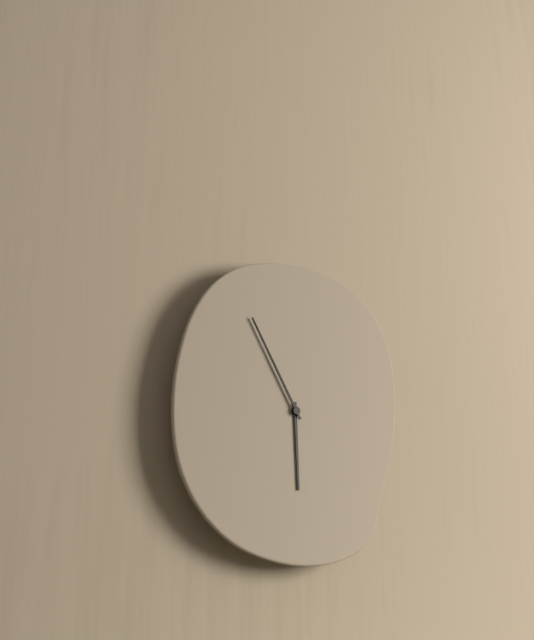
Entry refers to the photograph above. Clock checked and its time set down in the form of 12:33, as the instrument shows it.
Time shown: 5:55
